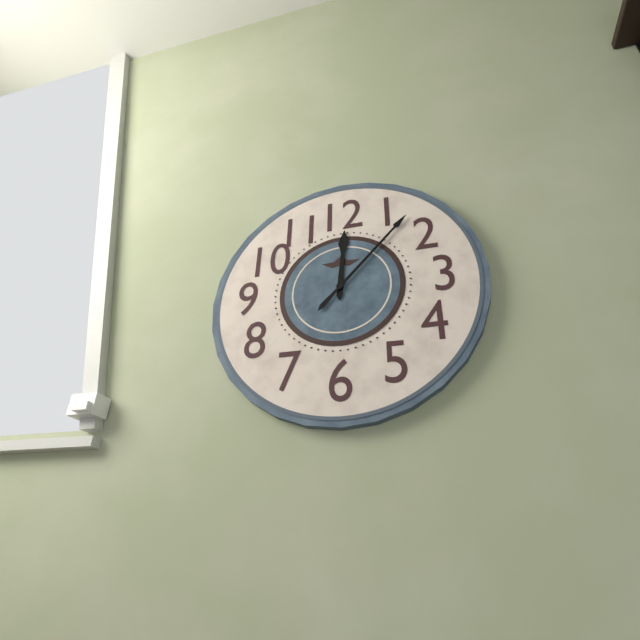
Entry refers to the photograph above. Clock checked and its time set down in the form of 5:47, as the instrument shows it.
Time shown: 12:07
